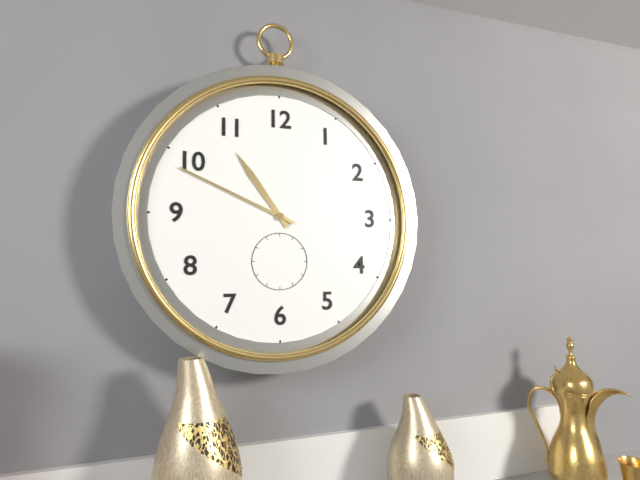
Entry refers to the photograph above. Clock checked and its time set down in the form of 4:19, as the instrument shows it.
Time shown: 10:49
